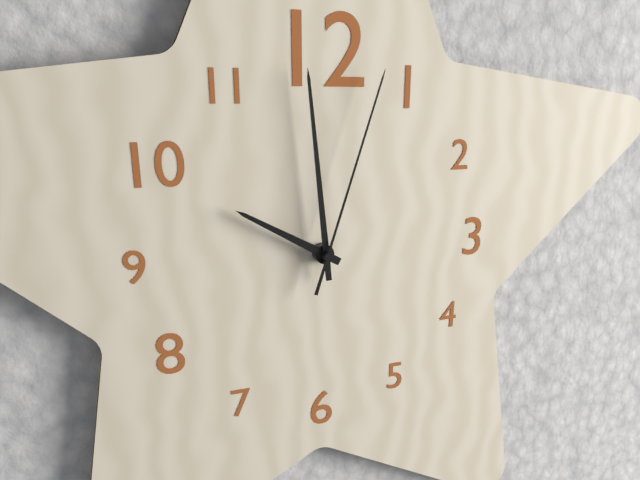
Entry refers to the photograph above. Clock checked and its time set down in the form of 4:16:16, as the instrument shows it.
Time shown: 9:59:03
